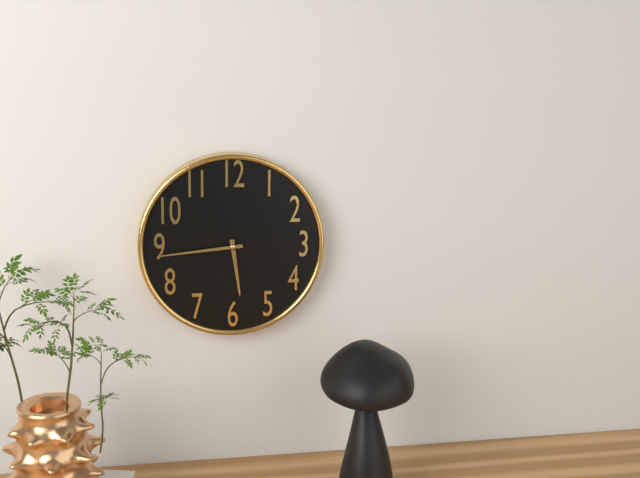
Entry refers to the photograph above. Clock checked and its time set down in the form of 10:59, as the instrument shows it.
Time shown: 5:44
